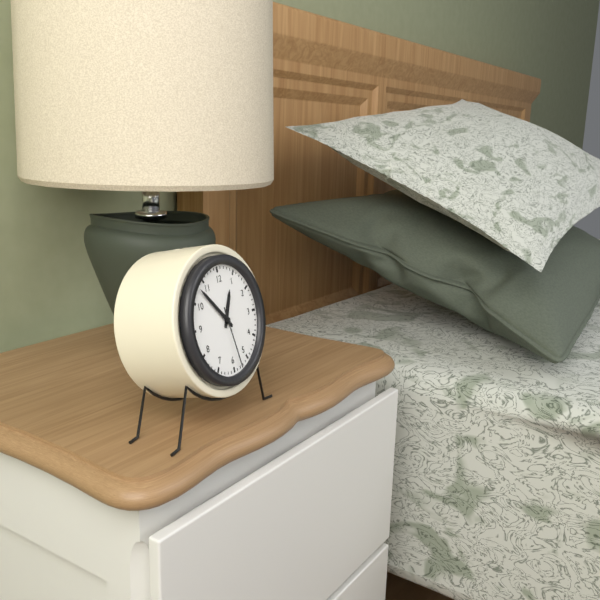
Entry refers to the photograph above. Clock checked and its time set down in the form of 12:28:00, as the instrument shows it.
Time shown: 12:53:28
